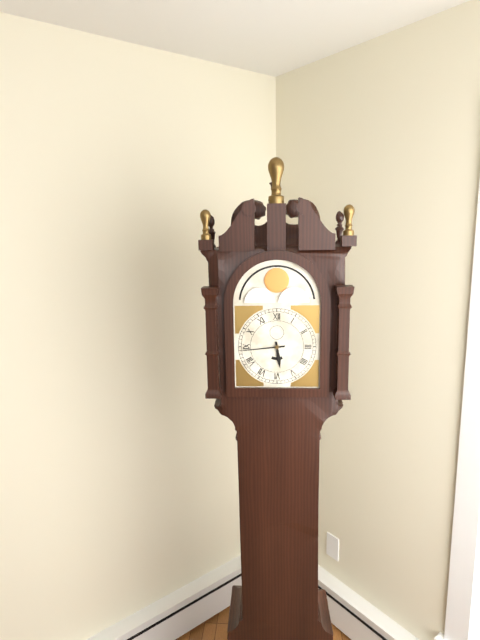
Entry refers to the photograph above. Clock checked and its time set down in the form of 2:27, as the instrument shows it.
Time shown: 5:44
